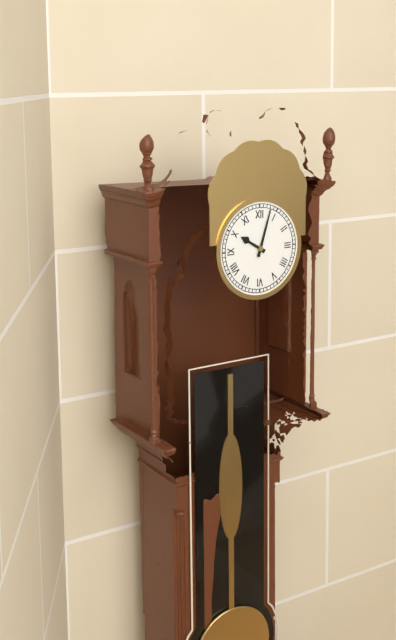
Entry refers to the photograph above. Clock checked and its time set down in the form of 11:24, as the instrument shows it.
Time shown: 10:03
